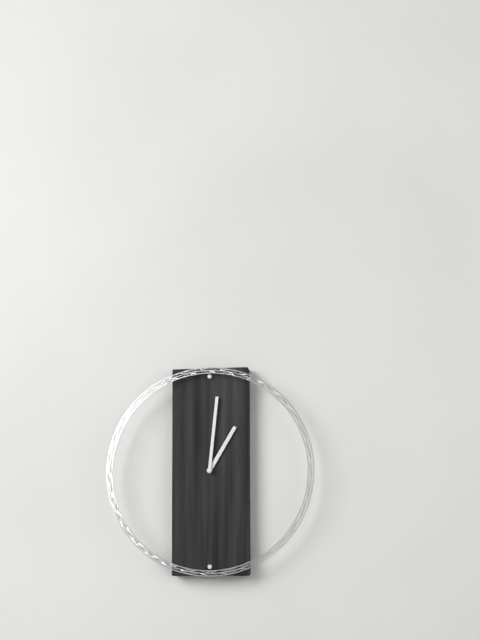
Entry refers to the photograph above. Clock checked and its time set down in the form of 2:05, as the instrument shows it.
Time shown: 1:01
